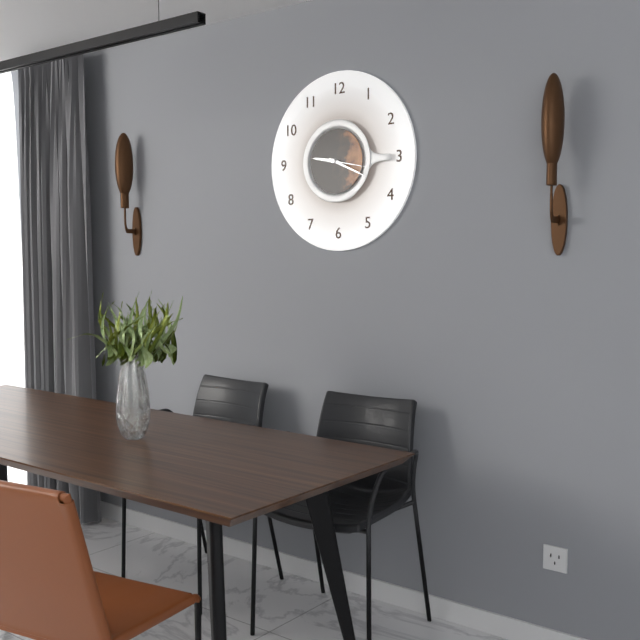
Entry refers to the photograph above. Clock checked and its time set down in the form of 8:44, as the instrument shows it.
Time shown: 9:19
